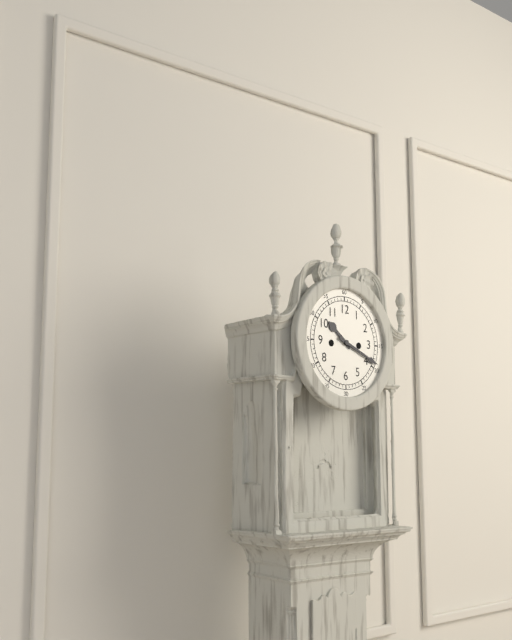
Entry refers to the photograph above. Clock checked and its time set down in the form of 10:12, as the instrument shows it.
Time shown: 10:19
